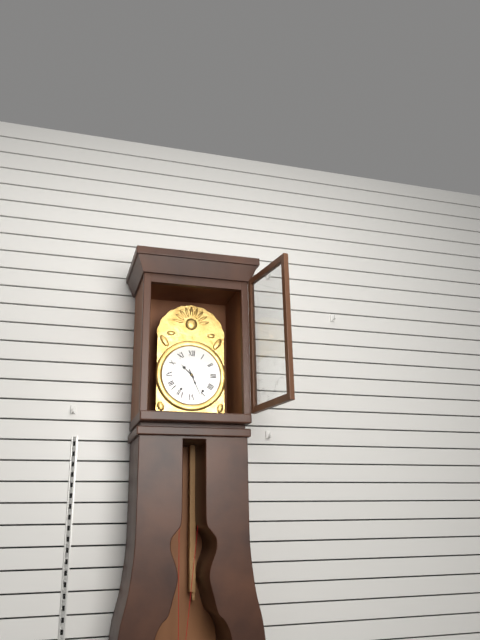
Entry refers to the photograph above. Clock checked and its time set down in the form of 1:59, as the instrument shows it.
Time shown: 10:26
